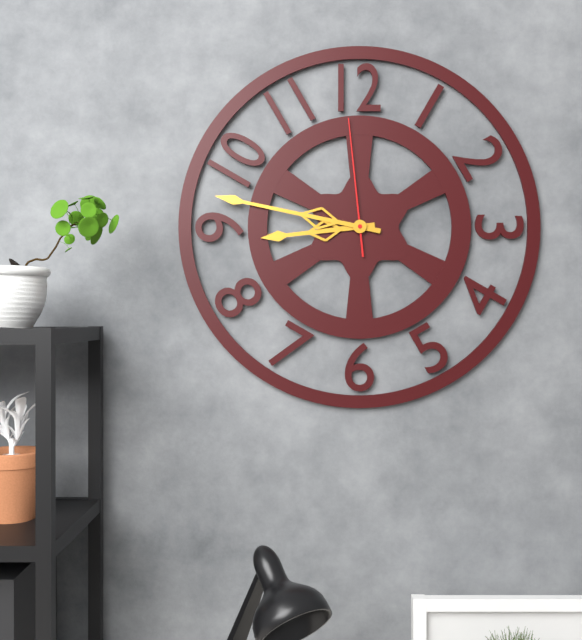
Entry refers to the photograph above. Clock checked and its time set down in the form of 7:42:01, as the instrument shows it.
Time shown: 8:47:59
